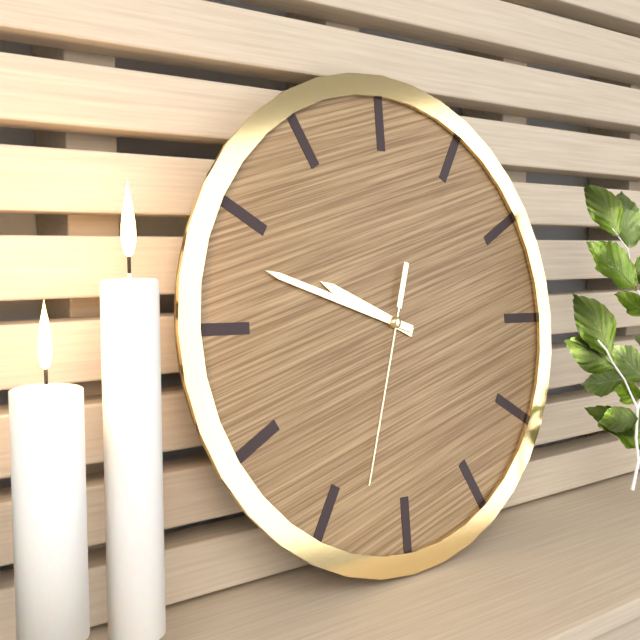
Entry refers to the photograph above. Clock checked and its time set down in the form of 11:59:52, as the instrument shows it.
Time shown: 9:48:33
